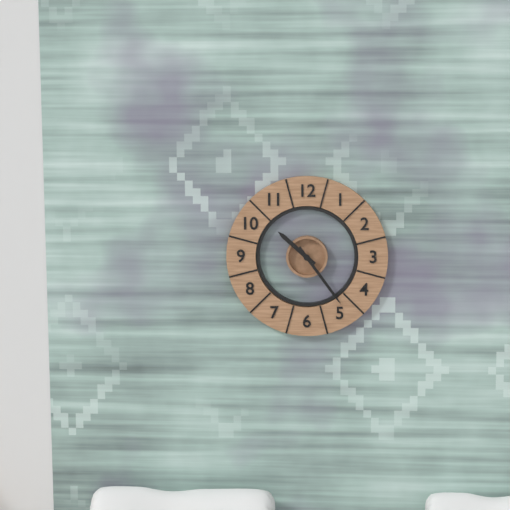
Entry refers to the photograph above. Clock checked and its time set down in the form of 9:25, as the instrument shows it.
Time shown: 10:24
